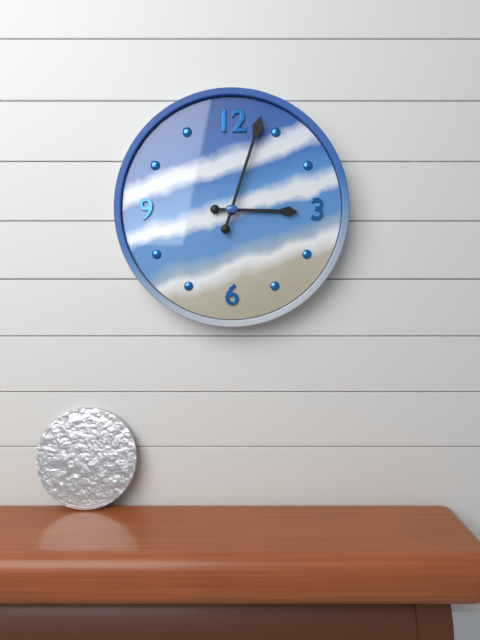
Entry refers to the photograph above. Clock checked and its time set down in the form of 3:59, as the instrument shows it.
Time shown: 3:03
